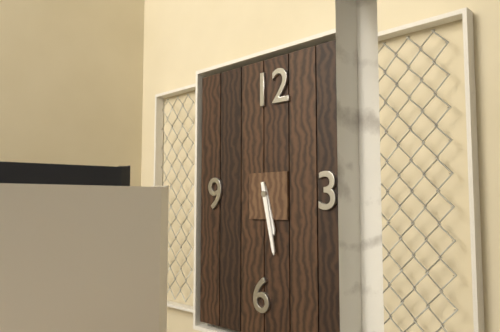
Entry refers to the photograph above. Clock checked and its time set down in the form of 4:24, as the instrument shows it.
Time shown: 5:28
